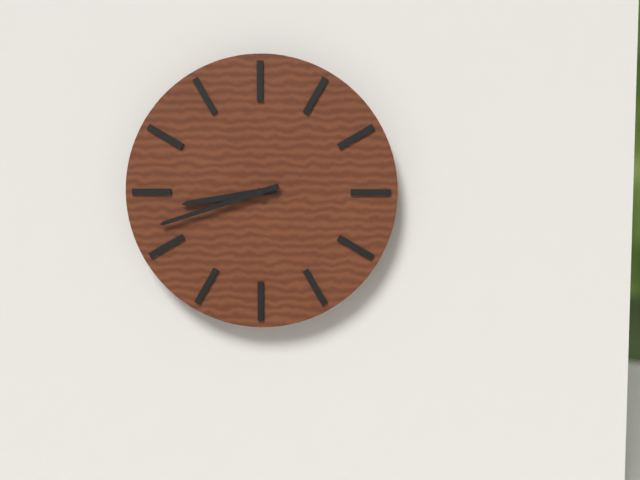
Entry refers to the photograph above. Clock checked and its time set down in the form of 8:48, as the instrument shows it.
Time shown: 8:42
